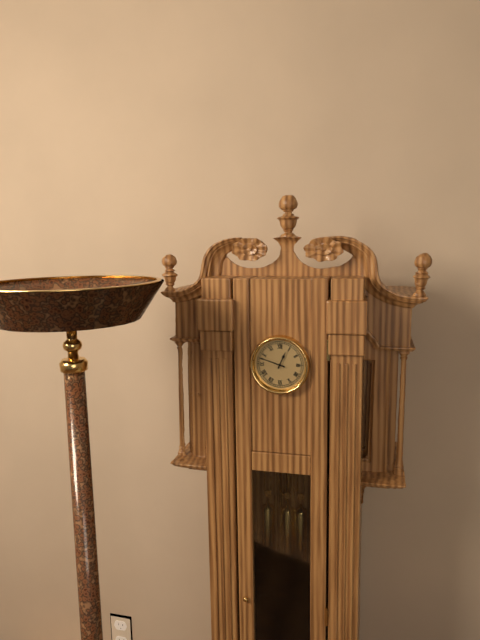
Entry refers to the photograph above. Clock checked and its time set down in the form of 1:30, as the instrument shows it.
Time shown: 12:48
